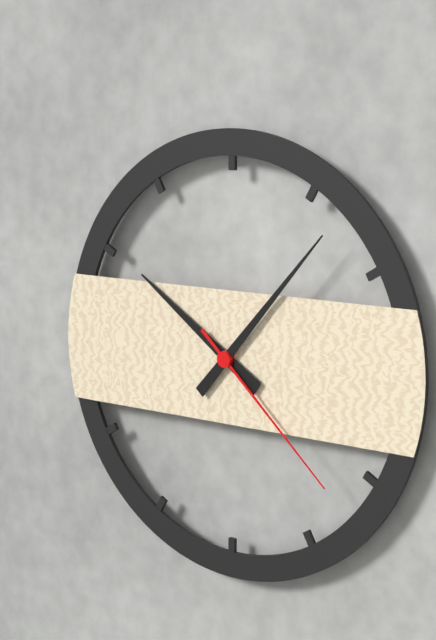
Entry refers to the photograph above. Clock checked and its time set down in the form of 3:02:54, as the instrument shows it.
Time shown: 10:07:22
